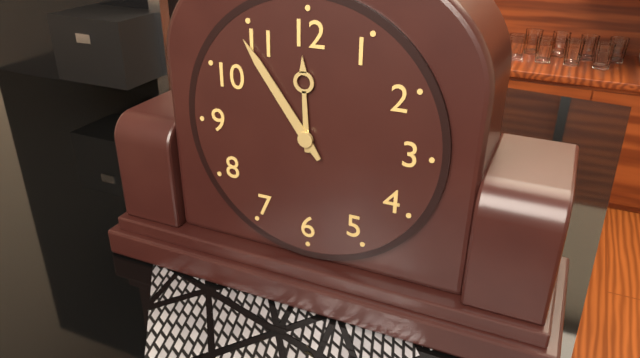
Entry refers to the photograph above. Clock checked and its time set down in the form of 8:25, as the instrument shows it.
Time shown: 11:54
